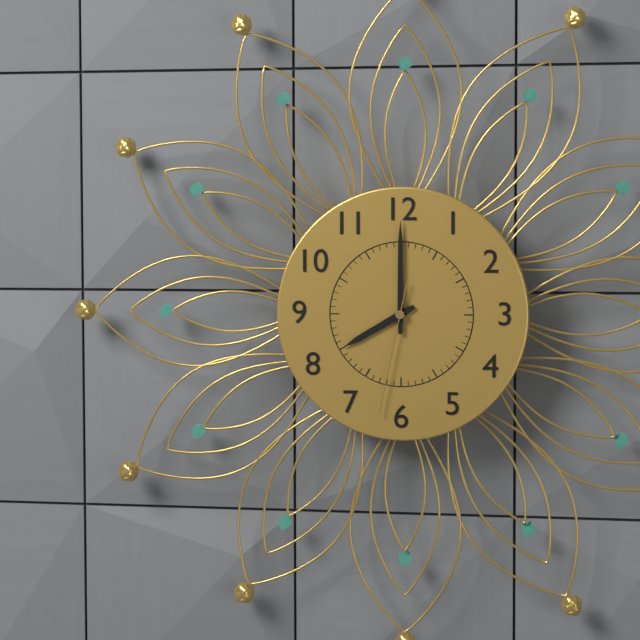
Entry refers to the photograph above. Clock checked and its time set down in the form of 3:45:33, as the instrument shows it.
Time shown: 8:00:32
